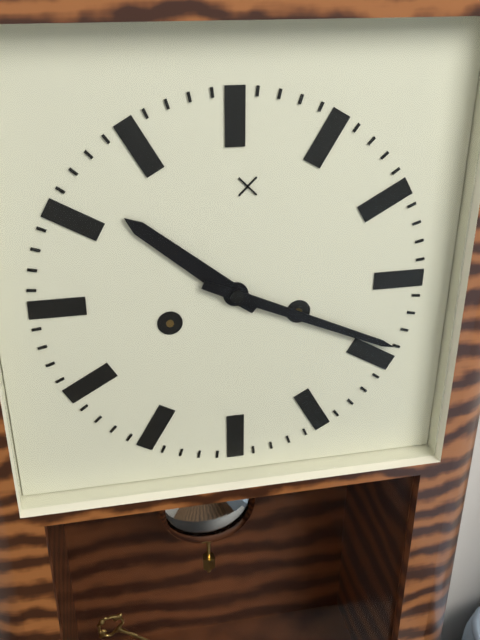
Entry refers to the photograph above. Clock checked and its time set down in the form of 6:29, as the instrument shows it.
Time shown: 10:19
